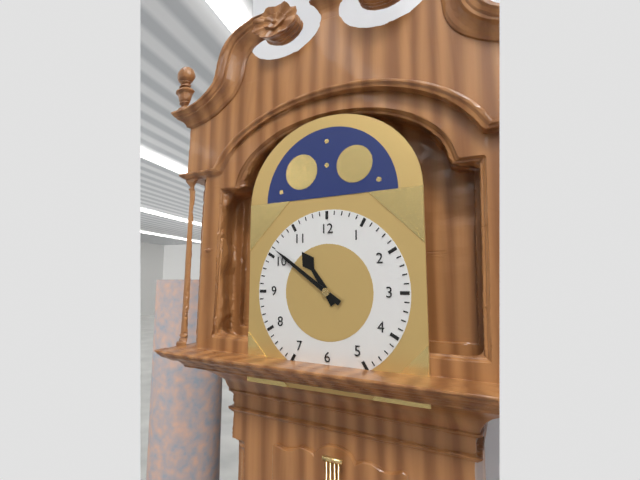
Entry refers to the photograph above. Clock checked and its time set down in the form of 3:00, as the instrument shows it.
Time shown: 10:51
